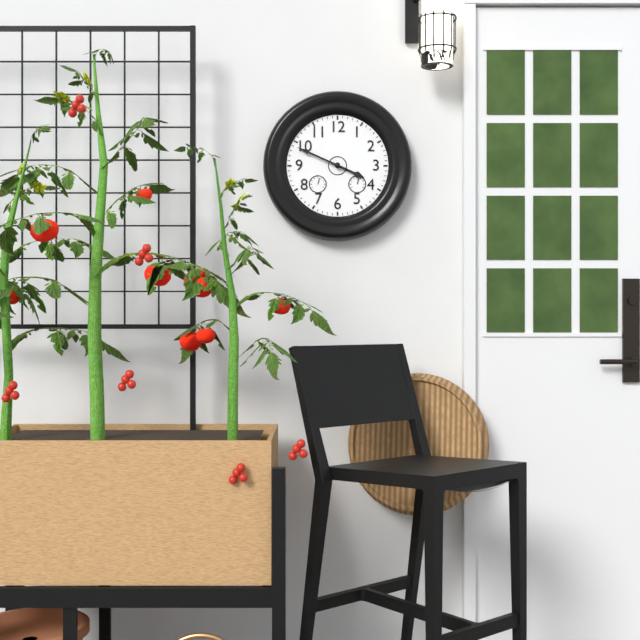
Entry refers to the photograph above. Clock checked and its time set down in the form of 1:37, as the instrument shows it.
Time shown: 3:49
